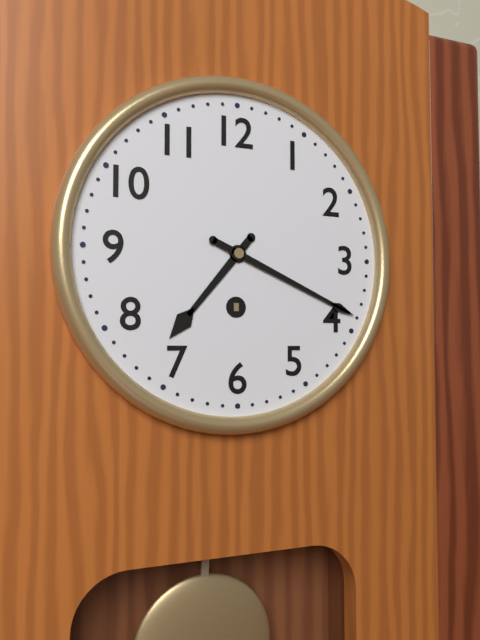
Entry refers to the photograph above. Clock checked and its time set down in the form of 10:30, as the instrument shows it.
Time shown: 7:19
